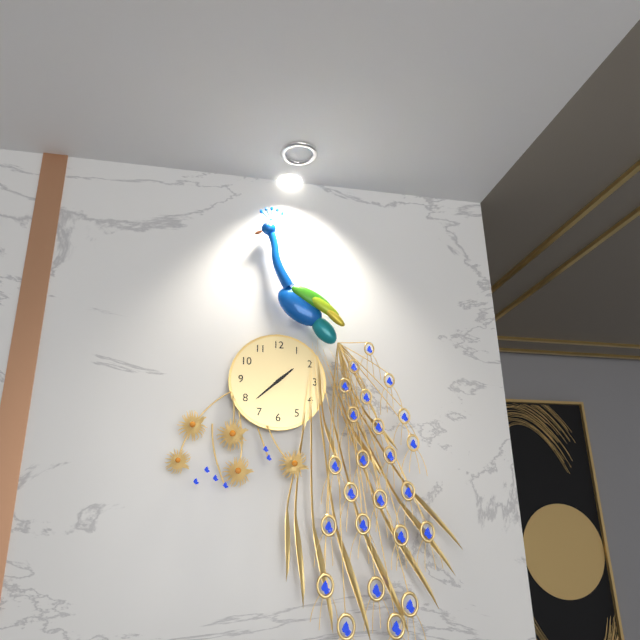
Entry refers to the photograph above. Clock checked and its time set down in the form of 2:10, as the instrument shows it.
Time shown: 1:38
